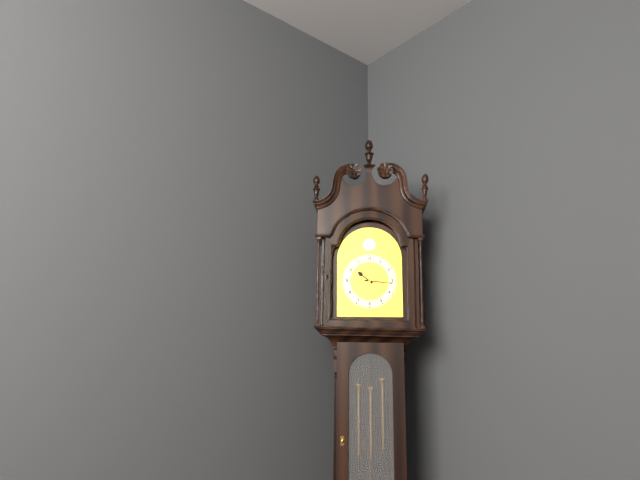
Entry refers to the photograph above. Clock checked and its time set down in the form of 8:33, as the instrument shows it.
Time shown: 10:16
